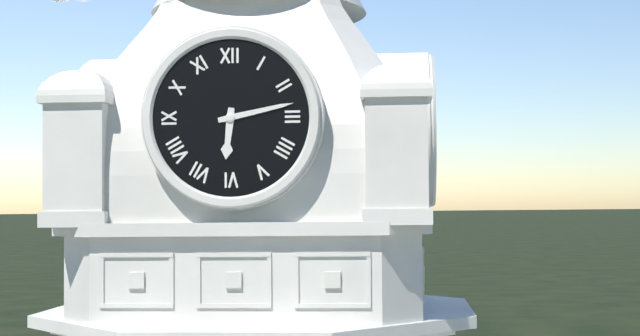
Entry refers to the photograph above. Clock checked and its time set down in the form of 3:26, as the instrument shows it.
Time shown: 6:13
